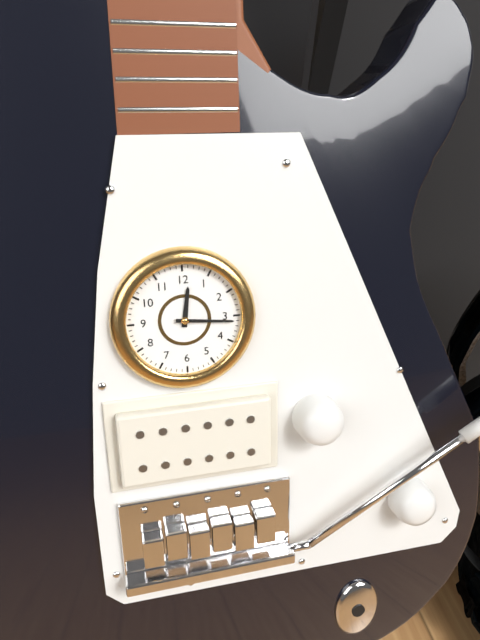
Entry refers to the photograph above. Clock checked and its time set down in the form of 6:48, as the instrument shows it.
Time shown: 12:16
